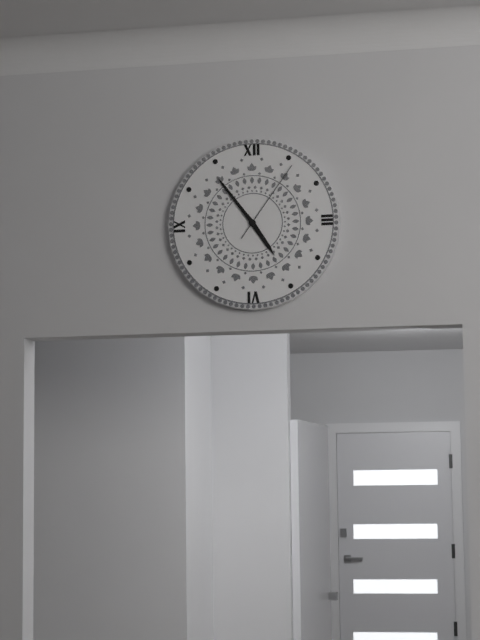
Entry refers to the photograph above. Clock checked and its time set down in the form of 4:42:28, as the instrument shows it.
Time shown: 4:54:06
